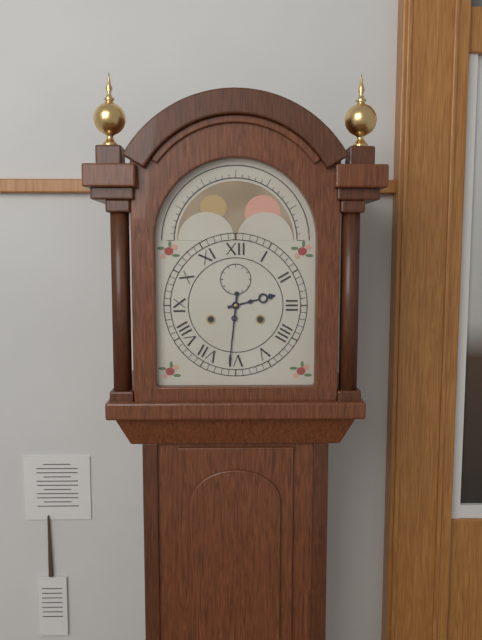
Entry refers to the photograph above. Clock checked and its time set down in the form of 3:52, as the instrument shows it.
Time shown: 2:31
